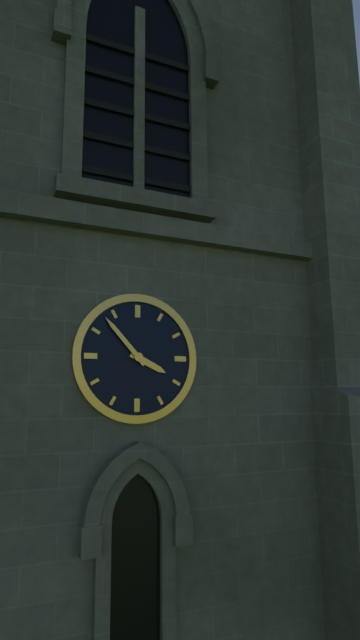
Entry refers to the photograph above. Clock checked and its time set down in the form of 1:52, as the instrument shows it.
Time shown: 3:53
